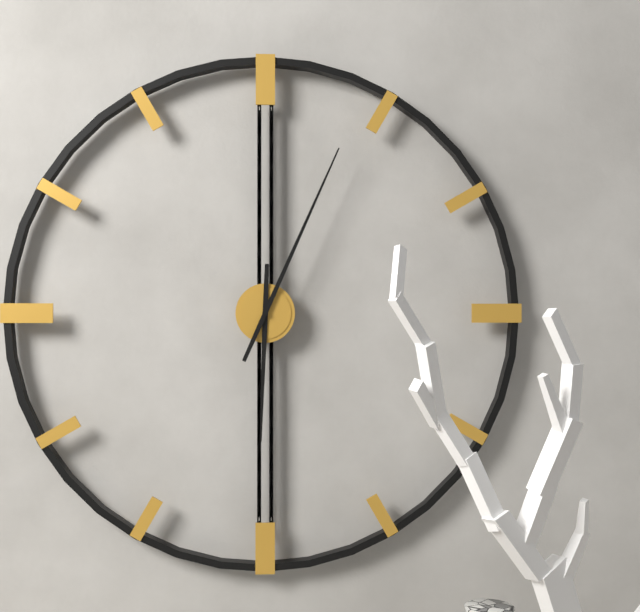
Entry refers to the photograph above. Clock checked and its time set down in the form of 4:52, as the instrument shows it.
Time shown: 6:04
